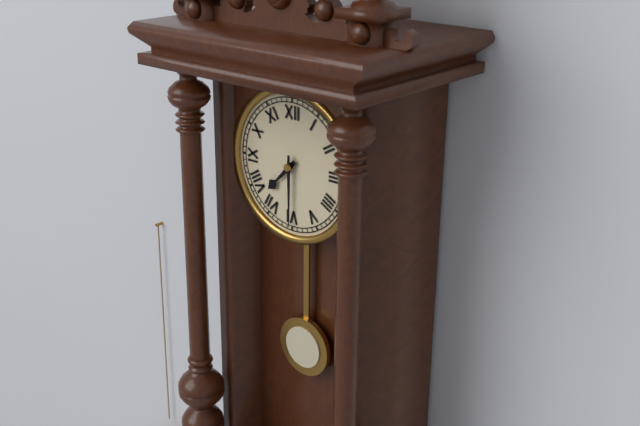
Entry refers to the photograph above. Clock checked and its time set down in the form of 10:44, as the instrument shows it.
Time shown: 7:30
